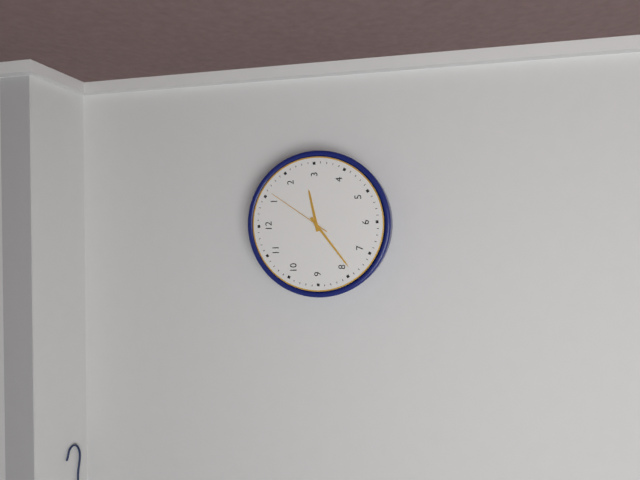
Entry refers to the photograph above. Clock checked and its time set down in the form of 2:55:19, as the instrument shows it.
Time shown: 2:39:06
